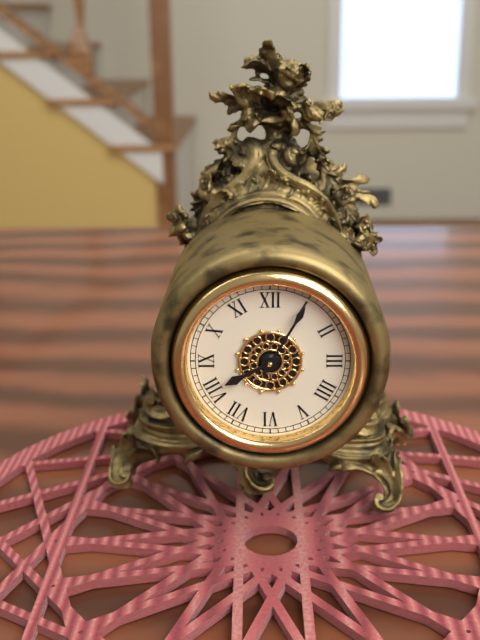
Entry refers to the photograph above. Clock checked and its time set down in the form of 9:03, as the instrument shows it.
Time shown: 8:05
